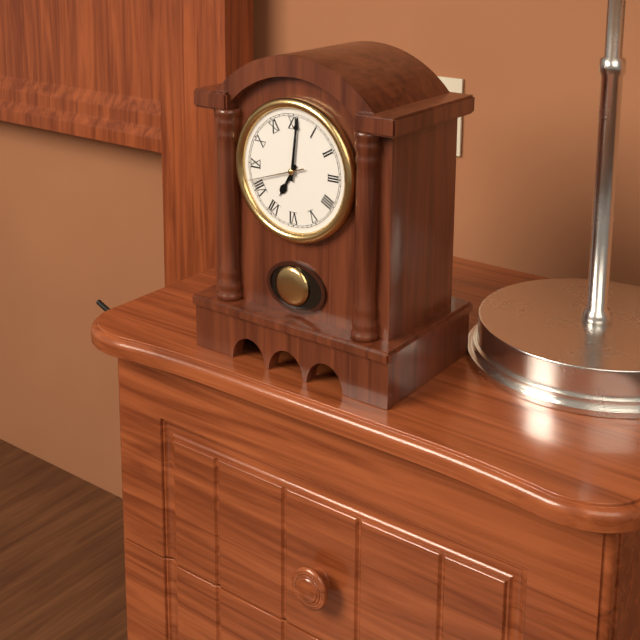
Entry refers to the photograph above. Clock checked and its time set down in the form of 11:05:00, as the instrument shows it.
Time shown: 7:01:42
